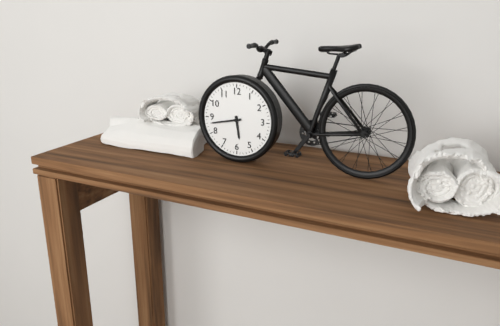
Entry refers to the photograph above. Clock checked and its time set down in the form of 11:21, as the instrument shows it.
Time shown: 5:43
